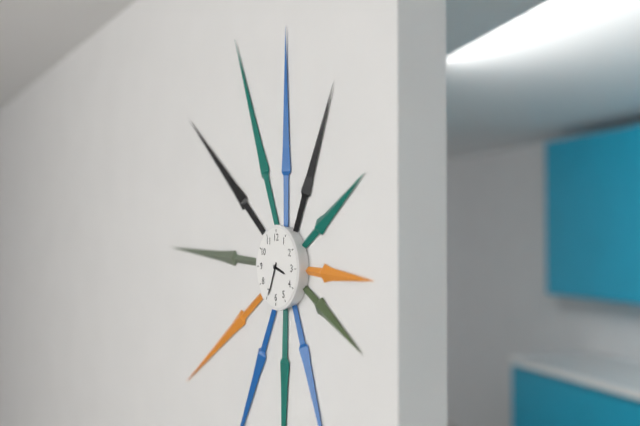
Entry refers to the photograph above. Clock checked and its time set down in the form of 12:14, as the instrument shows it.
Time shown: 3:34
